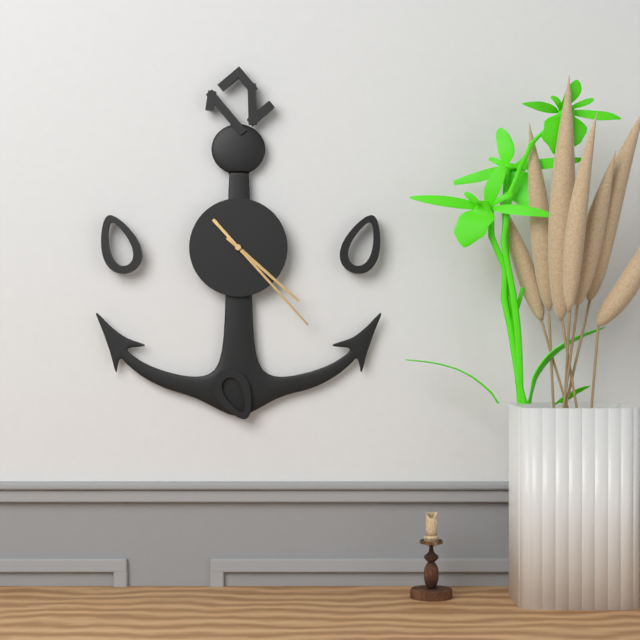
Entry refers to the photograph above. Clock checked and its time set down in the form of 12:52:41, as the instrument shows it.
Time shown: 4:23:23
